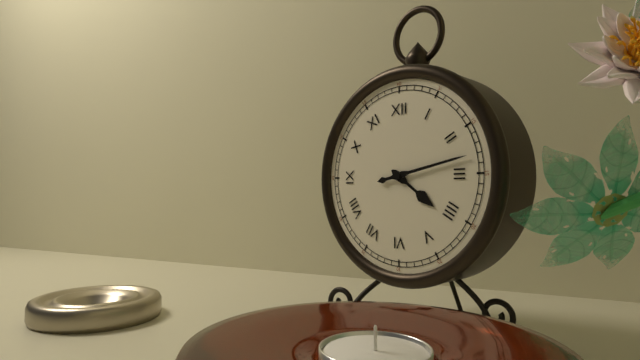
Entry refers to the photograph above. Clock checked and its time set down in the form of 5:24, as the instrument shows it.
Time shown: 4:13
